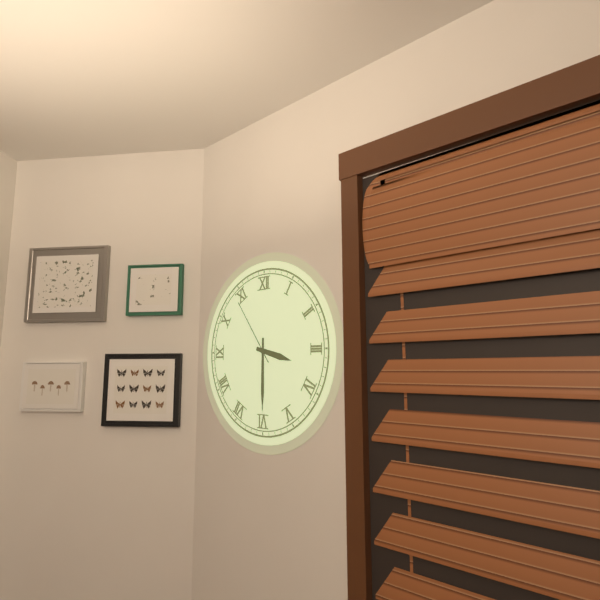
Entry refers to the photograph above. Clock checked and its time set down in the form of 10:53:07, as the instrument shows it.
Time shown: 3:30:54
